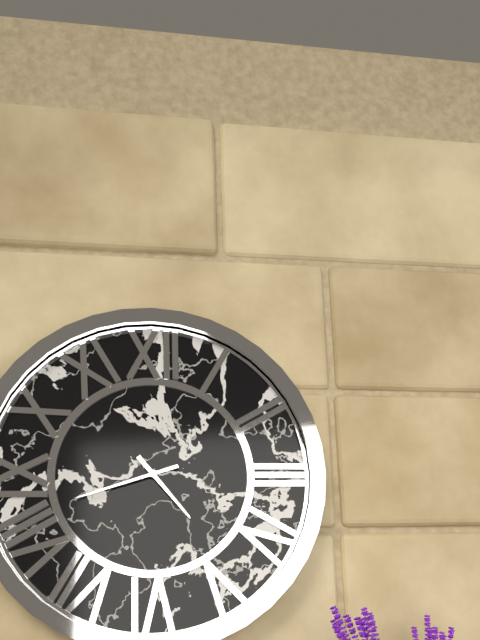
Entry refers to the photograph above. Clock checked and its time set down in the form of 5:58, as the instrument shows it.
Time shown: 4:42
